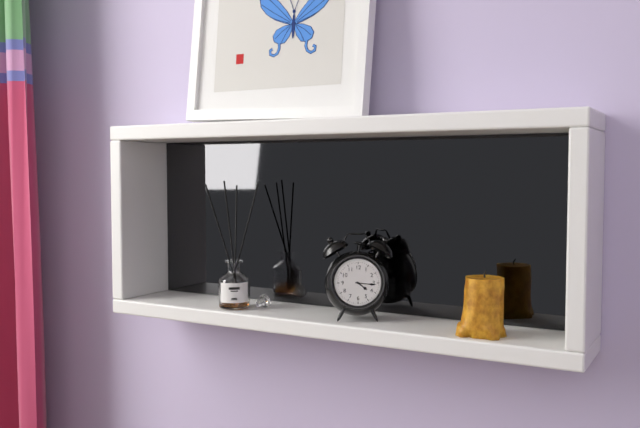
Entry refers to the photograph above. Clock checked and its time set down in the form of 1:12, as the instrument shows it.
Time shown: 4:16
